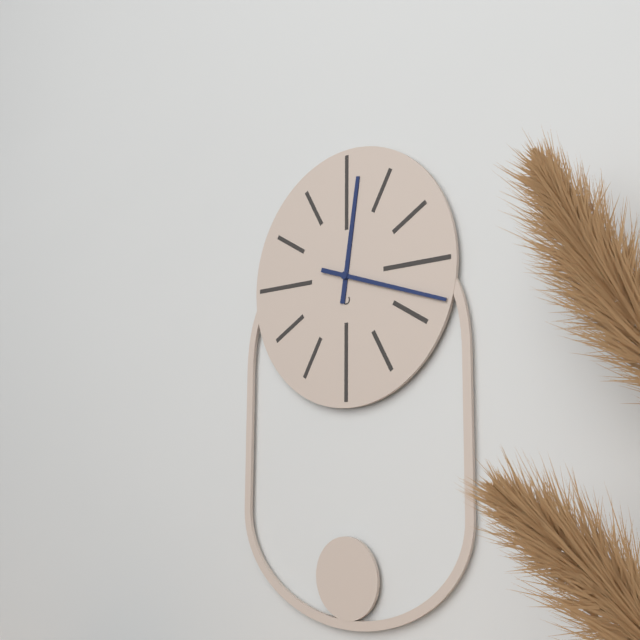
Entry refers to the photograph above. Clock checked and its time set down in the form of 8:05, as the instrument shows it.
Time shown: 12:18
